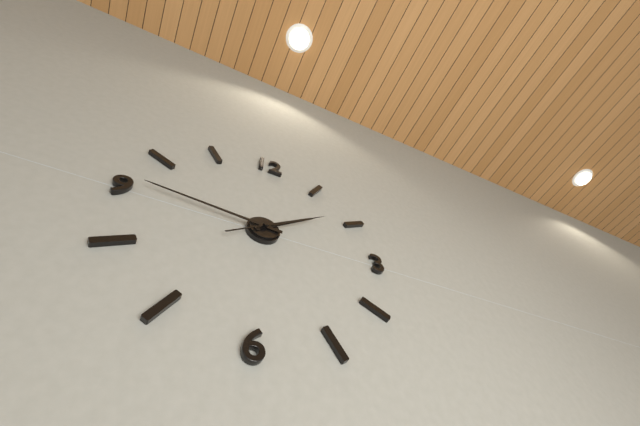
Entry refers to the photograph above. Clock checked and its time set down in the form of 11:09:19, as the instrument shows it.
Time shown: 1:46:09
